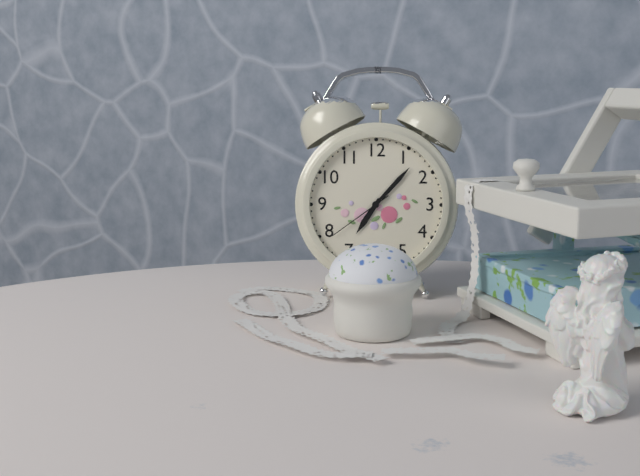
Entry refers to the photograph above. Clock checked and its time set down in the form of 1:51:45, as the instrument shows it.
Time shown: 7:07:39
